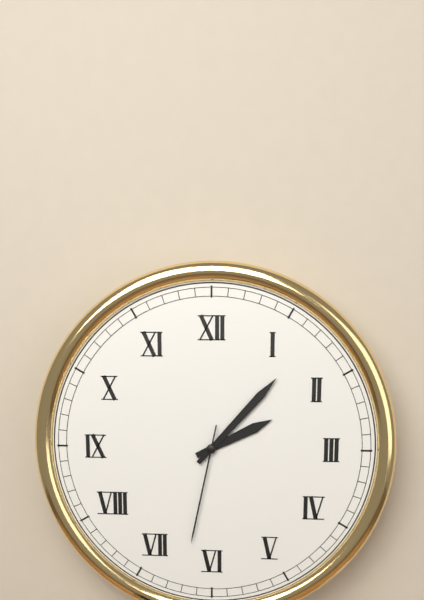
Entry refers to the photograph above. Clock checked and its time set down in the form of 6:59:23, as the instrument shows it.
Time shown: 2:07:32
